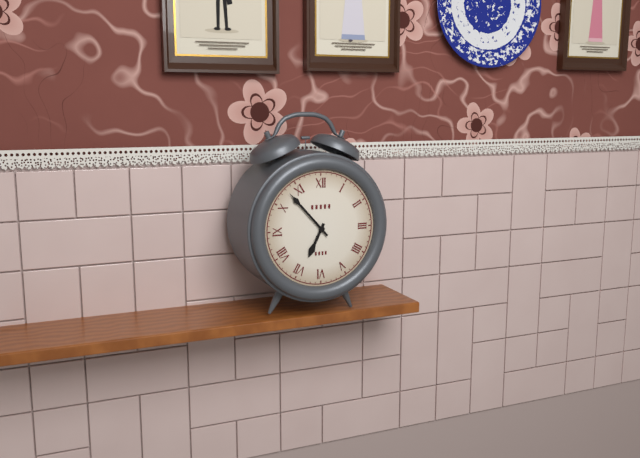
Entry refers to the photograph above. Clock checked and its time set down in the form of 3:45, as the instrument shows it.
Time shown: 6:53
